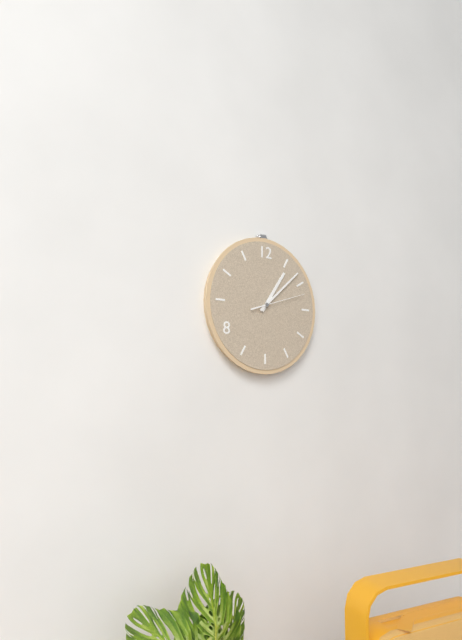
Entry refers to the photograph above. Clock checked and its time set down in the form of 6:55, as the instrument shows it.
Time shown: 1:08
